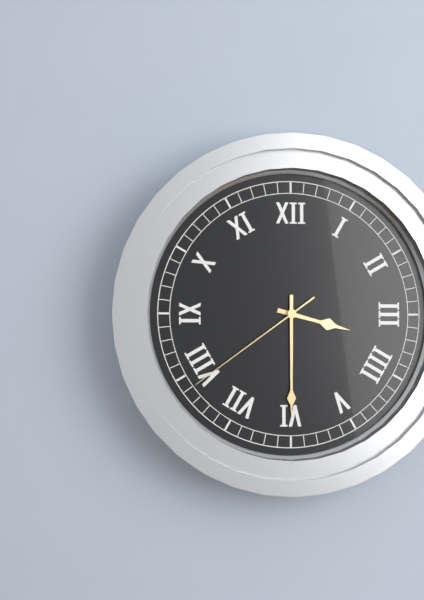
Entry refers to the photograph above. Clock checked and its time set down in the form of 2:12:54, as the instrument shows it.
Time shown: 3:30:39
